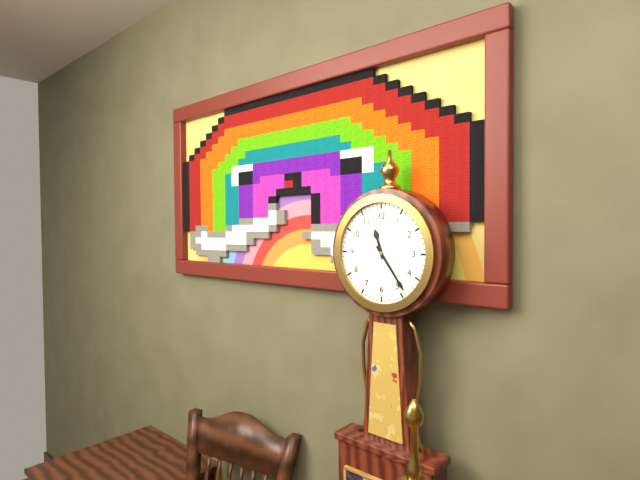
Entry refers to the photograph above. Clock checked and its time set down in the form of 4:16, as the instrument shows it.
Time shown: 11:24
